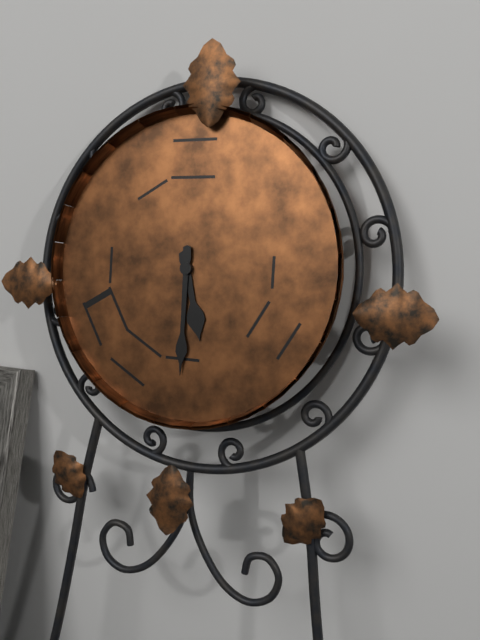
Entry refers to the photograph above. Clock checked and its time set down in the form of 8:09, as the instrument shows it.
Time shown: 5:30
